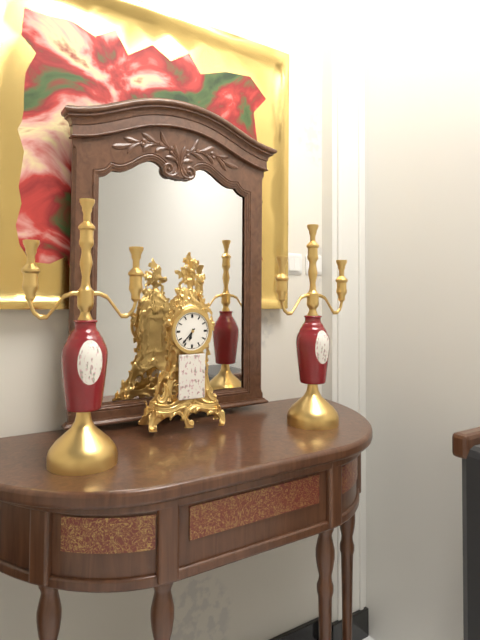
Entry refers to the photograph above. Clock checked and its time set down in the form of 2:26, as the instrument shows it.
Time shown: 6:37
